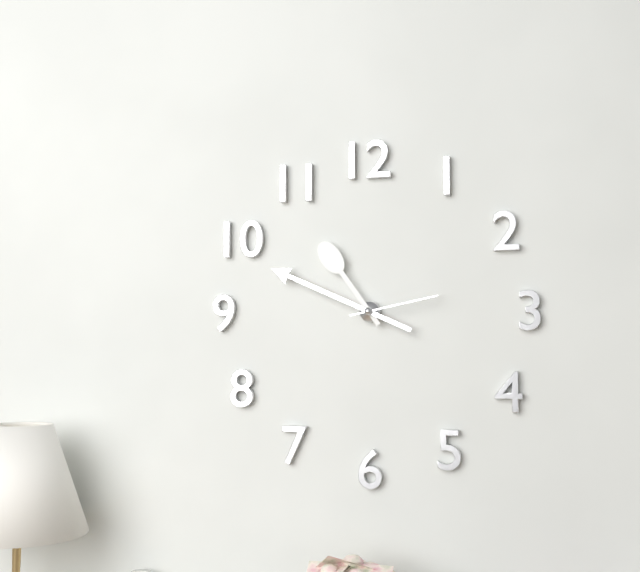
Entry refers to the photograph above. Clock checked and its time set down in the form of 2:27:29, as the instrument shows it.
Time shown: 10:49:13
